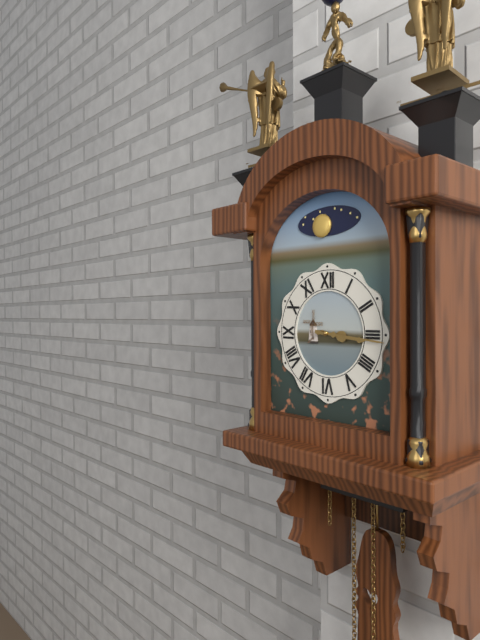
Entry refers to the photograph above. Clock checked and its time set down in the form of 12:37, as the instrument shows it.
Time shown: 3:16
